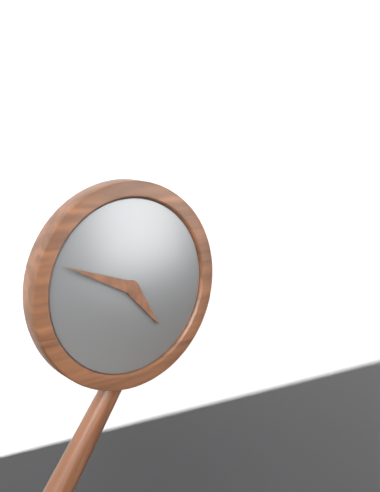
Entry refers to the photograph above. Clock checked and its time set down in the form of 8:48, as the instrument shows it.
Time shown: 4:49
